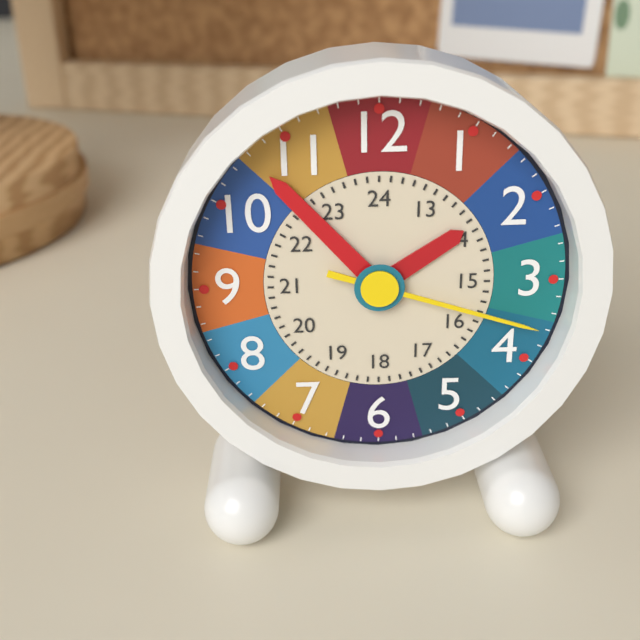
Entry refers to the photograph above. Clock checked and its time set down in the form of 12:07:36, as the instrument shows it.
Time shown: 1:53:18
